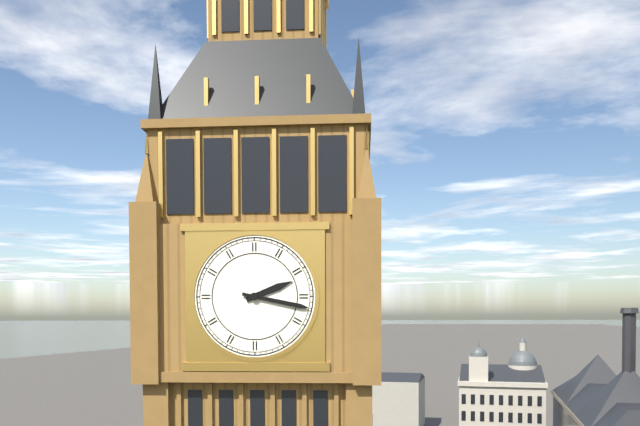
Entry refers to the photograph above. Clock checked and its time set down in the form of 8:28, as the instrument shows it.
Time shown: 2:17
